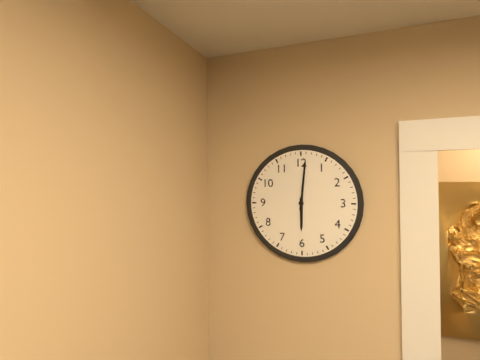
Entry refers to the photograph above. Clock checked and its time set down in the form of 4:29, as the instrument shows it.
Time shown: 6:01
